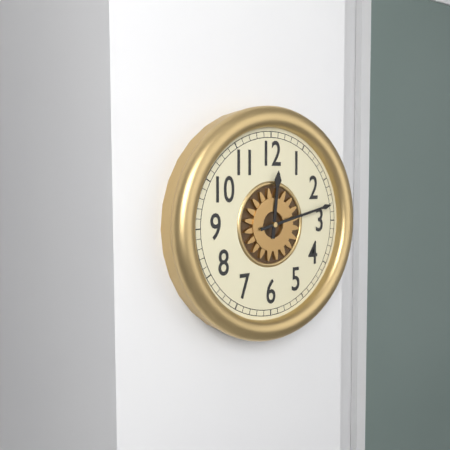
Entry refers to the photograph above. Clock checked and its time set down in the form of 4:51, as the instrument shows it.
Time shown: 12:13
